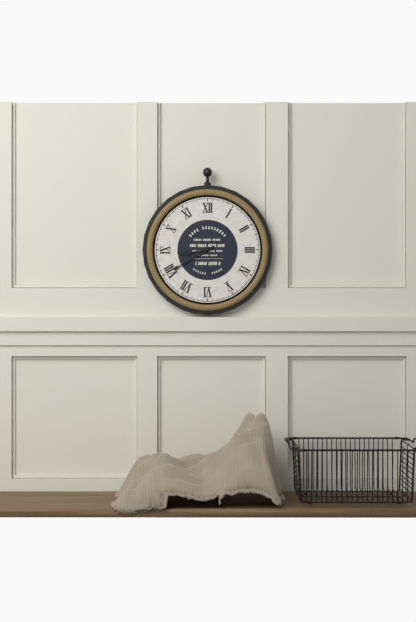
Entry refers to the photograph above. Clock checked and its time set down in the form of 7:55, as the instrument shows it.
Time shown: 8:40
